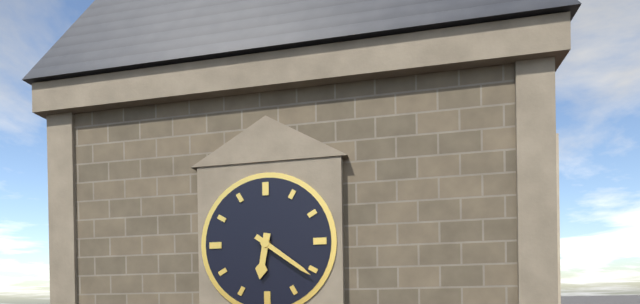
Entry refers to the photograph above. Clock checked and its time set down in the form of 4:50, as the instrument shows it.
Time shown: 6:21
